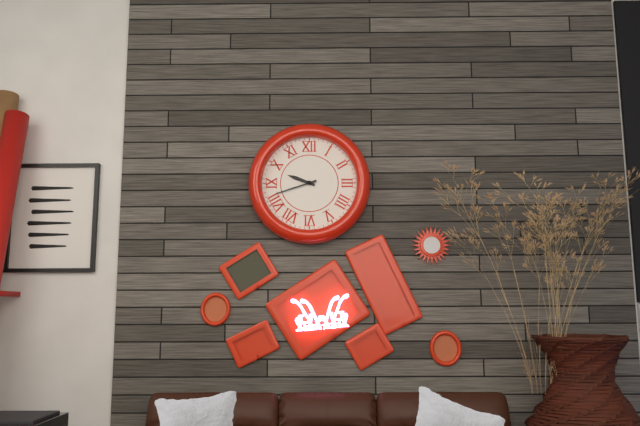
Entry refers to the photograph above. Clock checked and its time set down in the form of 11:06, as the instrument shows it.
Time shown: 9:42
